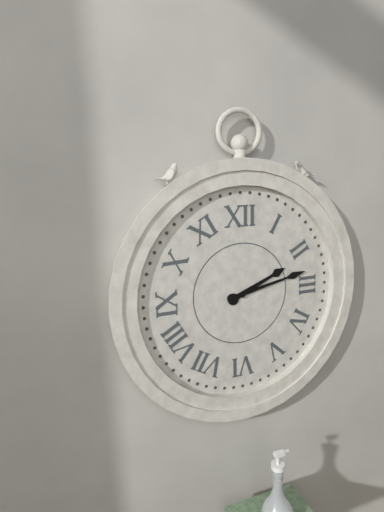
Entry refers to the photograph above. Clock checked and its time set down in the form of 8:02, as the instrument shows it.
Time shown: 2:13
